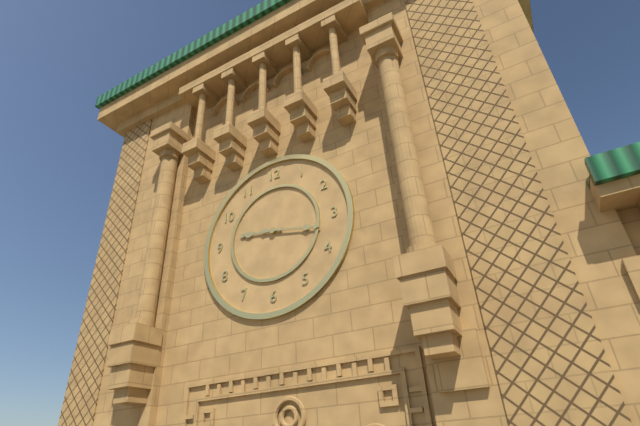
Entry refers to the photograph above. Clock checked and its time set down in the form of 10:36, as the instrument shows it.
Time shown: 9:17
